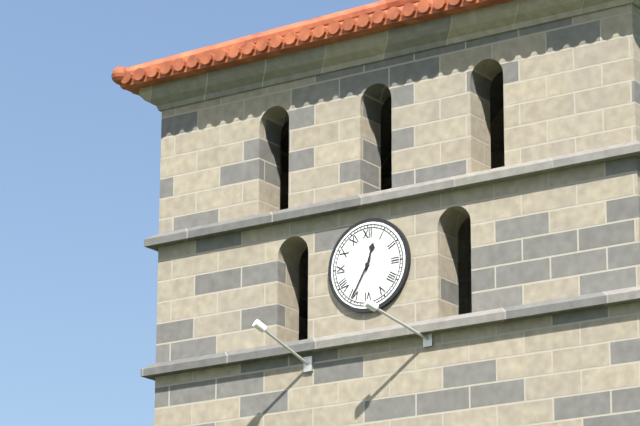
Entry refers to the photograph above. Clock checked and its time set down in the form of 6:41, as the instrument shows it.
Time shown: 12:35
